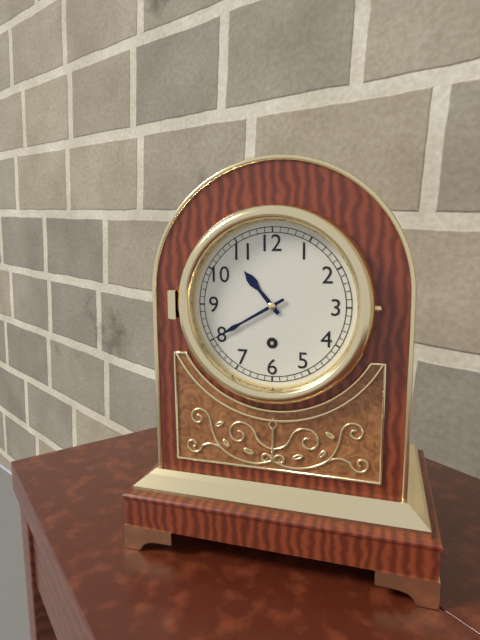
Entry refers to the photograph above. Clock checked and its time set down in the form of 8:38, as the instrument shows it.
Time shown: 10:40
